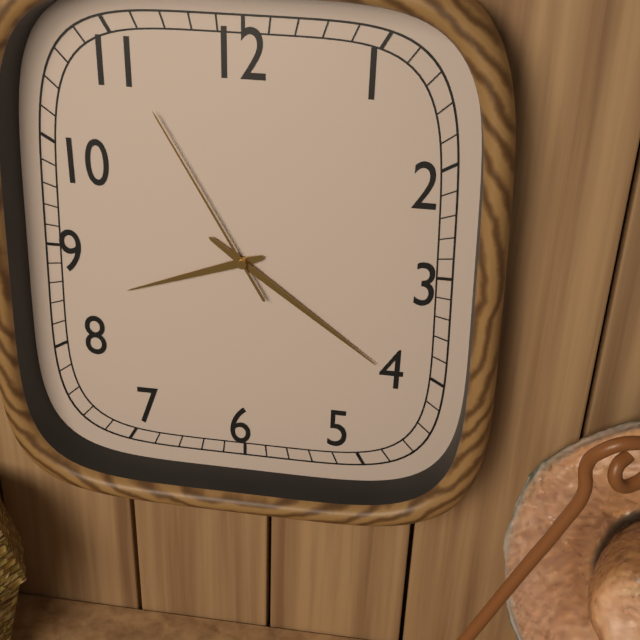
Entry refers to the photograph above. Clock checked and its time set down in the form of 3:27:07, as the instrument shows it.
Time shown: 8:21:55
